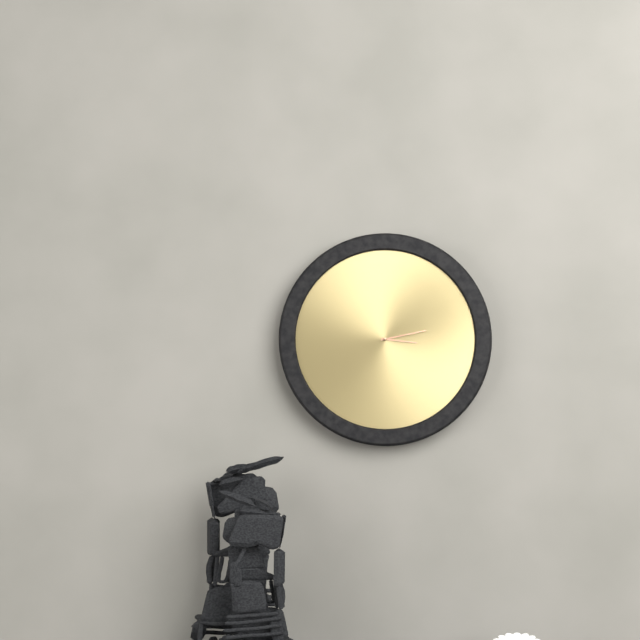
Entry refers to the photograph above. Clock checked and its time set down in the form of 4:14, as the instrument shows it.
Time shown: 3:13
